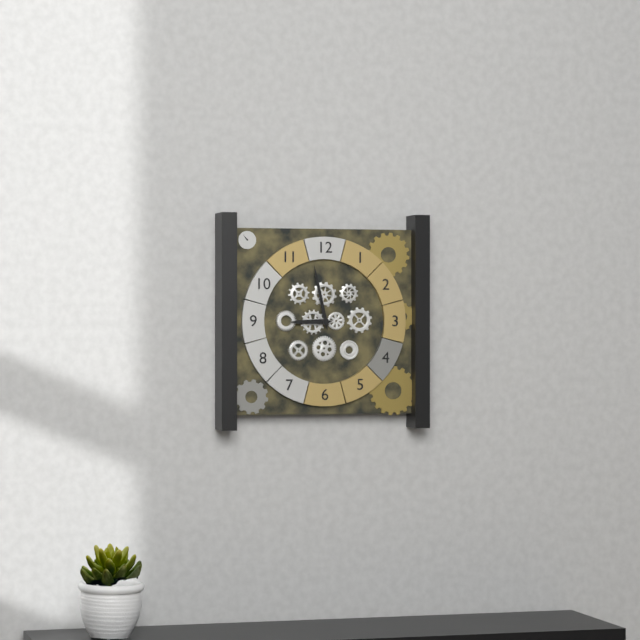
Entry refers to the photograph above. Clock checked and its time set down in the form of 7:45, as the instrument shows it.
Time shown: 8:58
